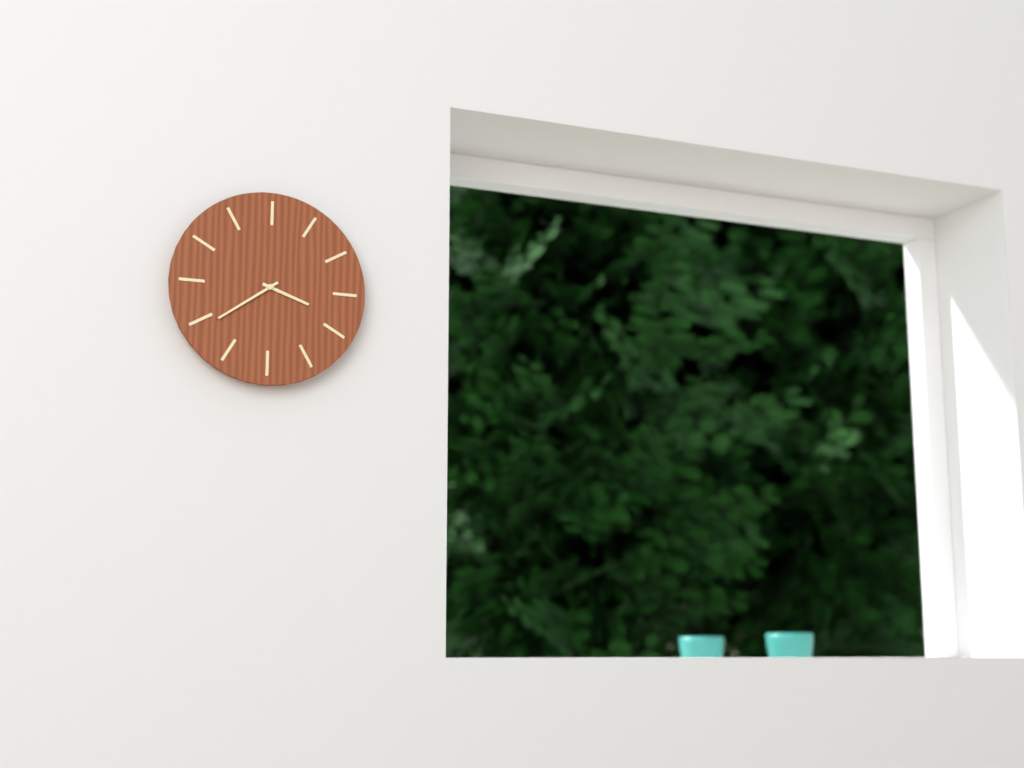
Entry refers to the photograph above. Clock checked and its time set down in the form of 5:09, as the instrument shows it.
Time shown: 3:39
